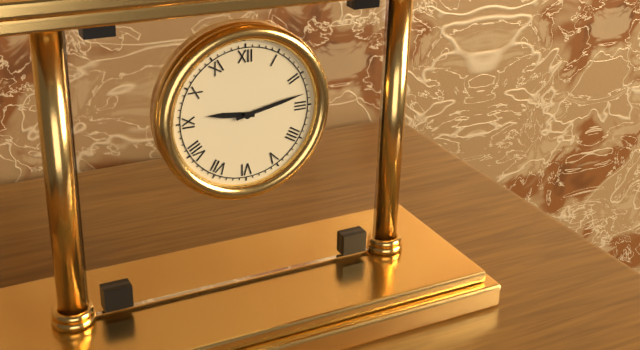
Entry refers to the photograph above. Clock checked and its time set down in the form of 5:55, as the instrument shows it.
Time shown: 9:13
